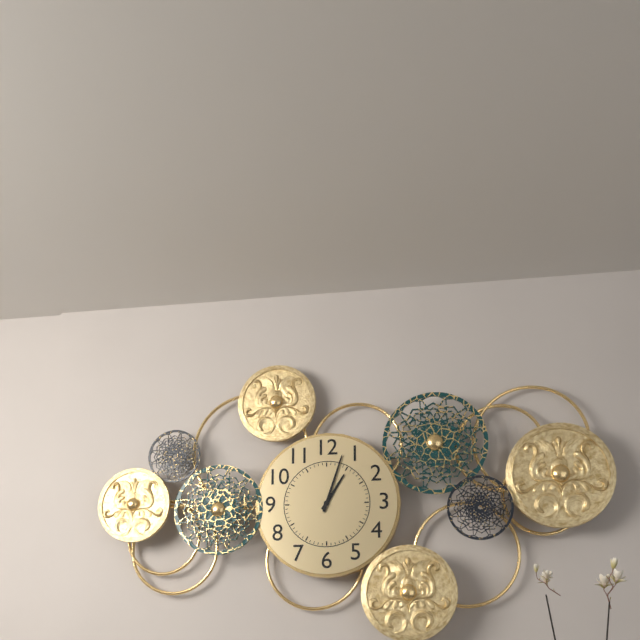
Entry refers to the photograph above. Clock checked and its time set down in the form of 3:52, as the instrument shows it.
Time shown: 1:03
